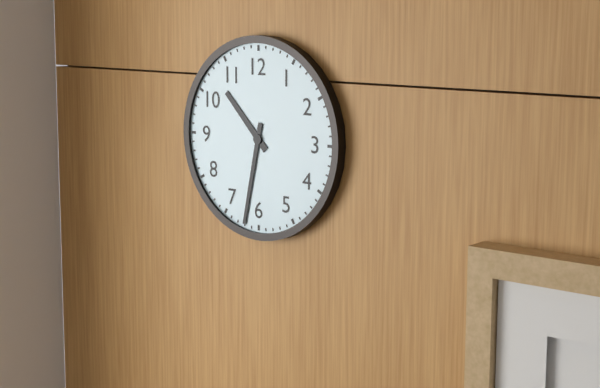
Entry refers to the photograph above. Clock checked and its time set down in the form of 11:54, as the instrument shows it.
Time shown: 10:32
